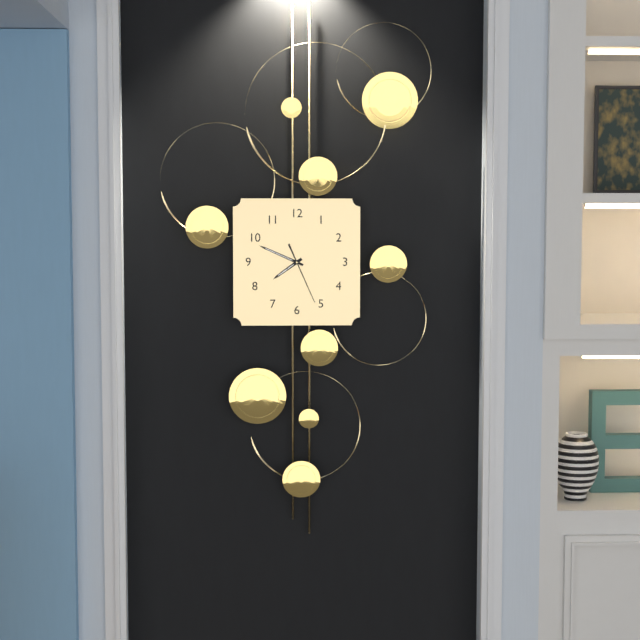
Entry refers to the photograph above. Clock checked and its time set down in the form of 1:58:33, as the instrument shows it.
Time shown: 7:49:26
